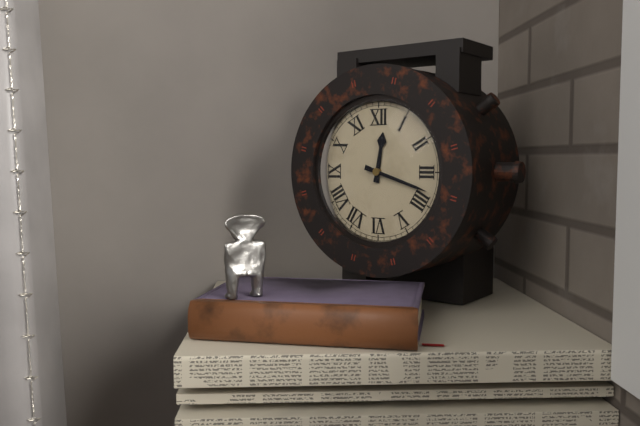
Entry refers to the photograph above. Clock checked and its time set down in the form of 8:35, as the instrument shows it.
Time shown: 12:18
